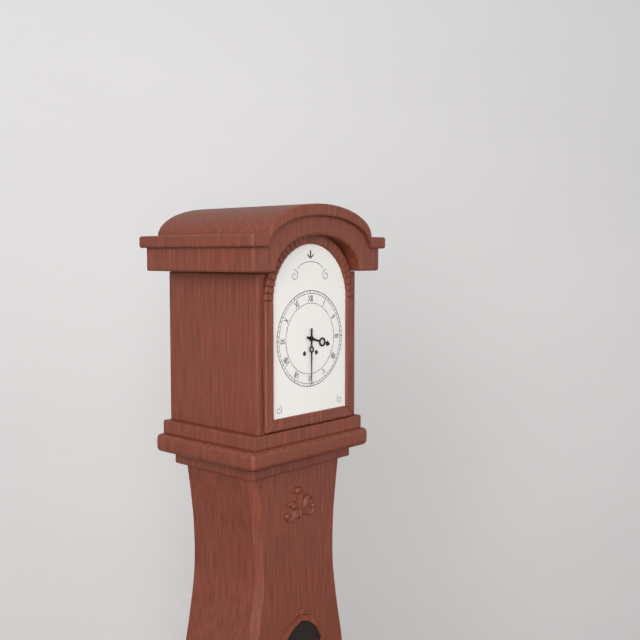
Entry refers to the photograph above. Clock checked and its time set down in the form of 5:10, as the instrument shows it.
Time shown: 3:30
